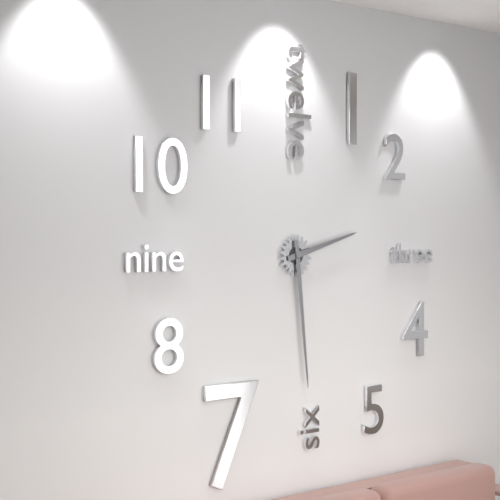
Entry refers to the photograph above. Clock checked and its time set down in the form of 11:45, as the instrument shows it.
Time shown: 2:29
